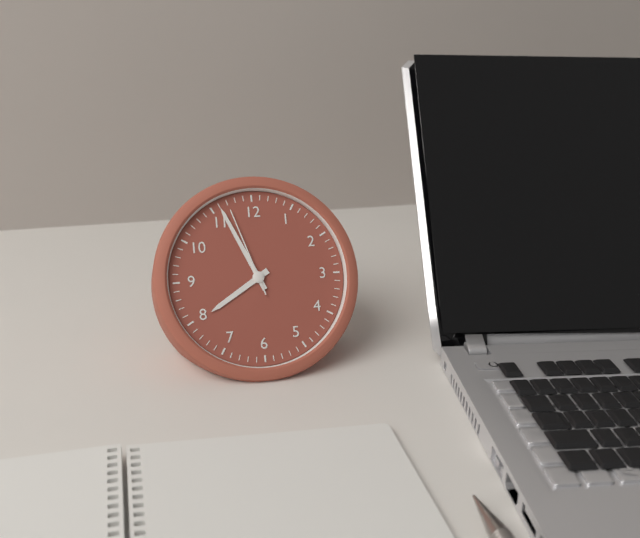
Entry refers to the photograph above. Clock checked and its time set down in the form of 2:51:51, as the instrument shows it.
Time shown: 7:56:57
